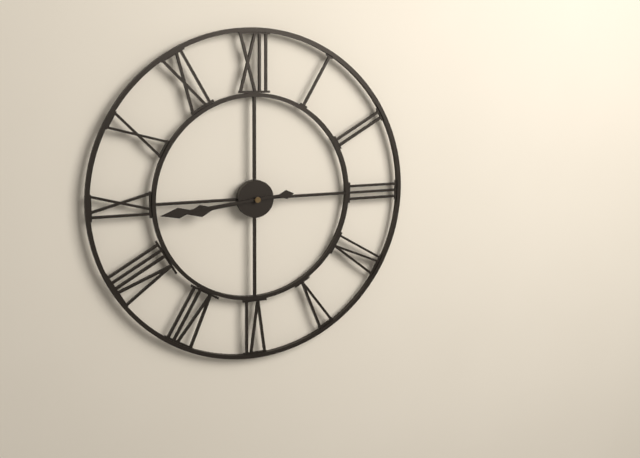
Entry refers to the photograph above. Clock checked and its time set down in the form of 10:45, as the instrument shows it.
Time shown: 8:44
